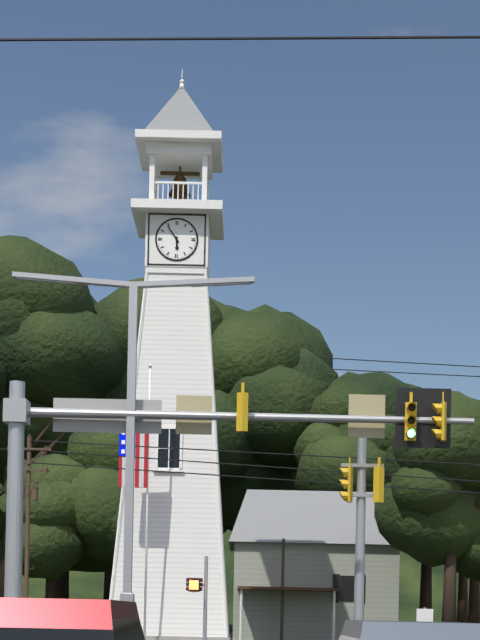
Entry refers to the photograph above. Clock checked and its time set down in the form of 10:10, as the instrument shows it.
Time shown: 5:54
